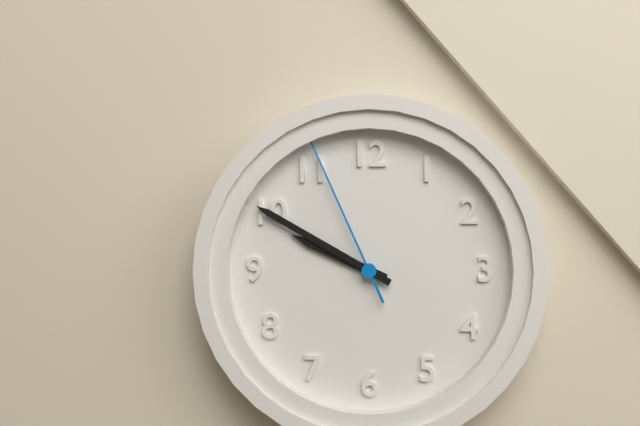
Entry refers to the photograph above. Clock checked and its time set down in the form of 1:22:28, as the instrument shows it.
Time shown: 9:50:56
